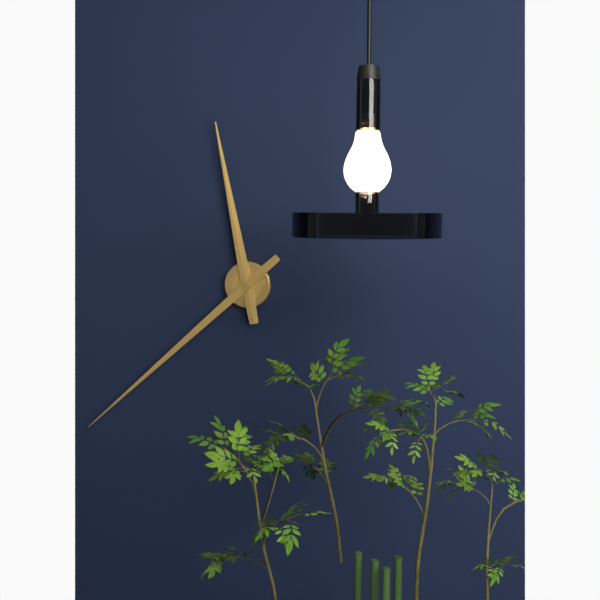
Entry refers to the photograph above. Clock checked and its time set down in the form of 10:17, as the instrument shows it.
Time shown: 11:38
